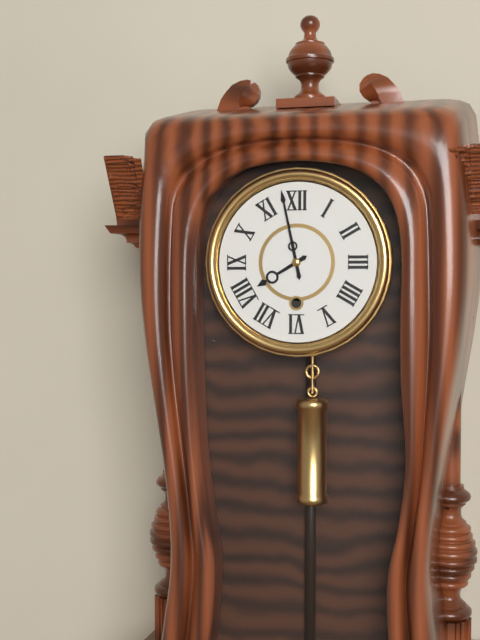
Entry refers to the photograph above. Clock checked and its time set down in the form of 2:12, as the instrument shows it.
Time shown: 7:58
